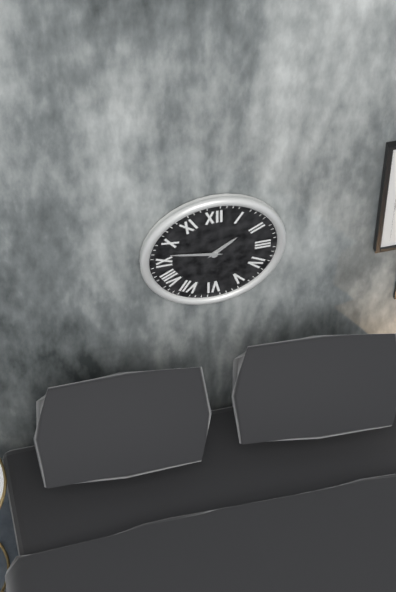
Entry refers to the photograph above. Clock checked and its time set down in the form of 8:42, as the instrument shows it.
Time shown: 1:47
